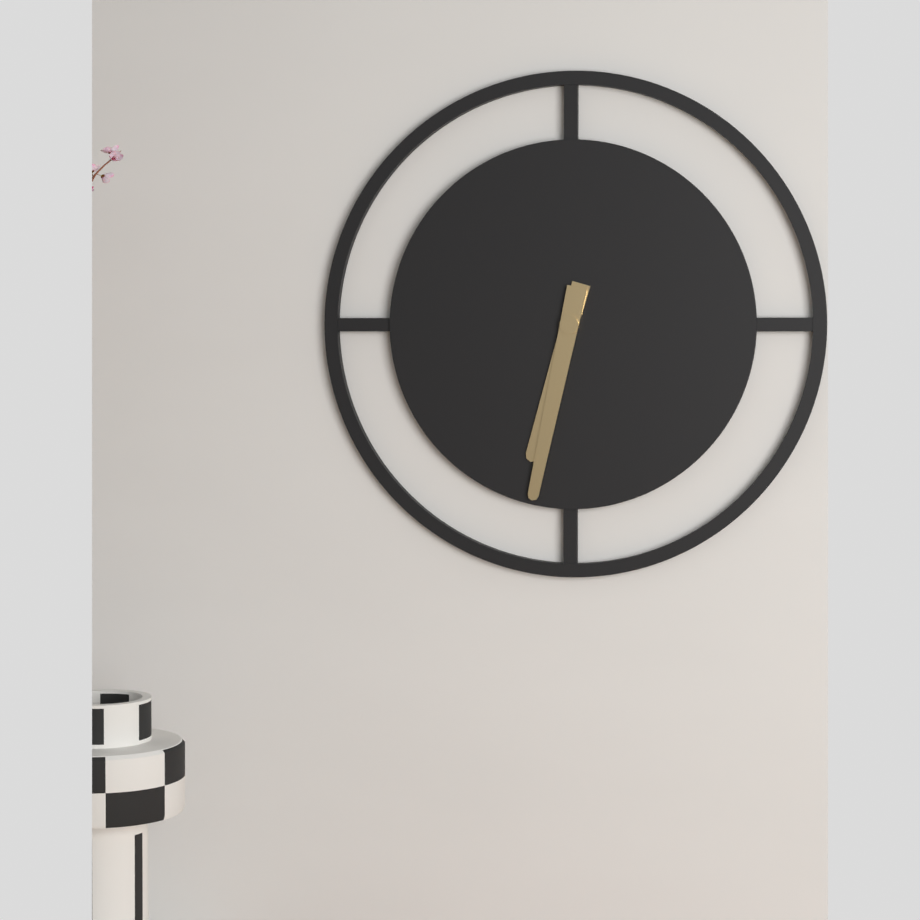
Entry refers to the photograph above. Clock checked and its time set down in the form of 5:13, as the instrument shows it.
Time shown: 6:32
